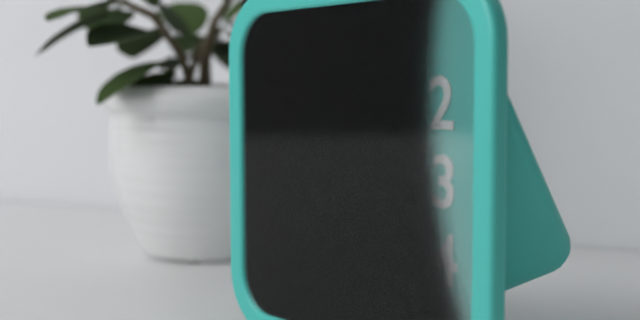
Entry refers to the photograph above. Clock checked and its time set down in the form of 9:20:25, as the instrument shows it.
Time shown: 12:28:00
